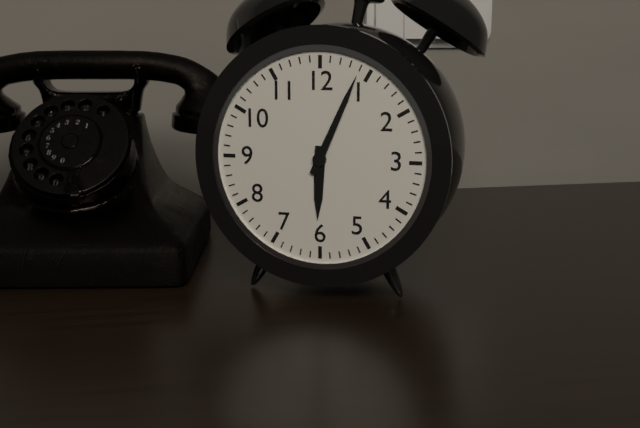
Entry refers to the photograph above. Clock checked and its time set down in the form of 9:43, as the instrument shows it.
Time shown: 6:04
